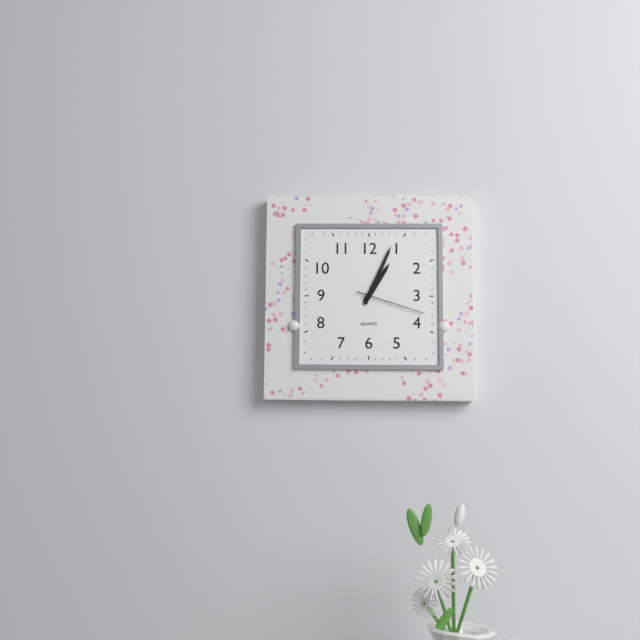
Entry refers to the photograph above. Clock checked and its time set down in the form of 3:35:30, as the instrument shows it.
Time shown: 1:04:18
